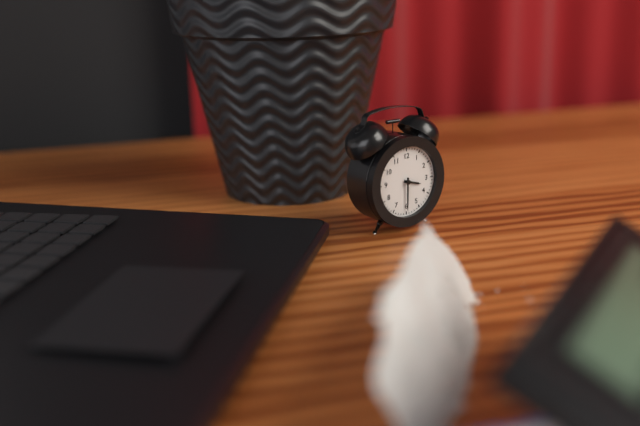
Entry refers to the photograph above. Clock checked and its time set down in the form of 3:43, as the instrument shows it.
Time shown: 3:30
